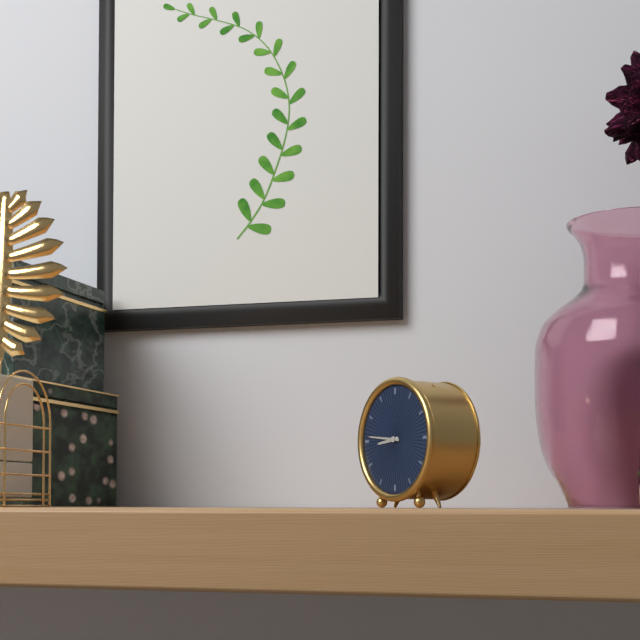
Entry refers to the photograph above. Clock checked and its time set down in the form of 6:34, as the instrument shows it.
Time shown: 8:46
